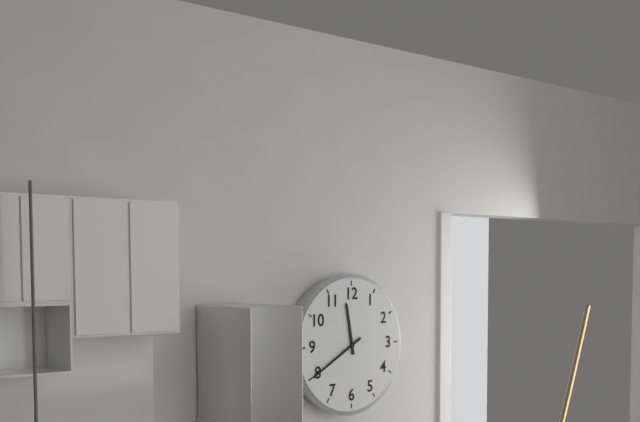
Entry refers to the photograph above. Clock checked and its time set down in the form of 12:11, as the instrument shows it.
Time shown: 11:40
